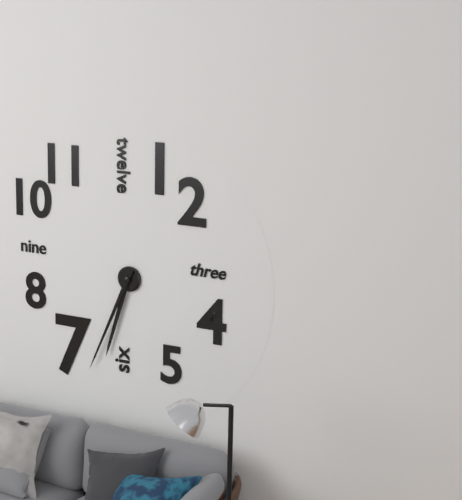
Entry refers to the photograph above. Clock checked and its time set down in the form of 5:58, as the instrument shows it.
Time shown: 6:34
